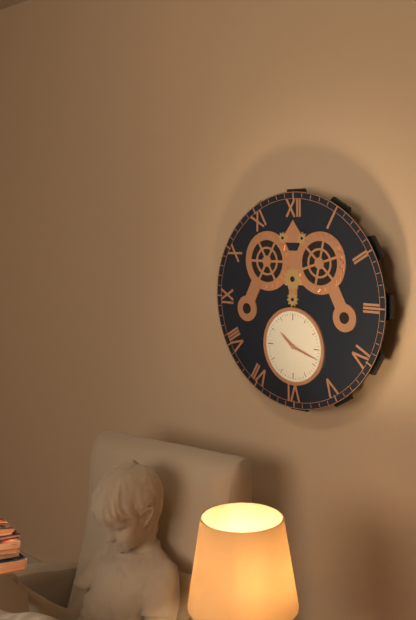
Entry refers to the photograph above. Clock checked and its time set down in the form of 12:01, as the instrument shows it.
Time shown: 10:18
